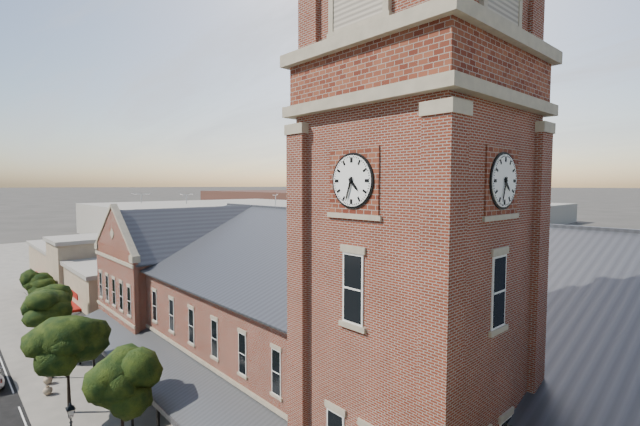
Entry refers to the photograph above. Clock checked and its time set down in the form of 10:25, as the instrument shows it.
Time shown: 4:33
